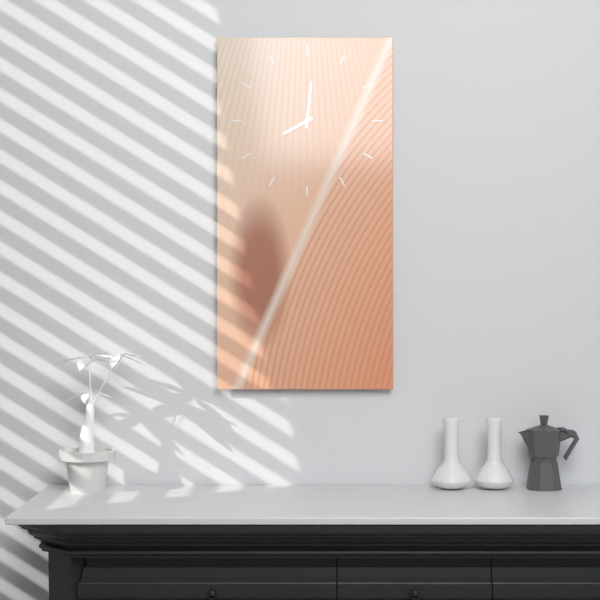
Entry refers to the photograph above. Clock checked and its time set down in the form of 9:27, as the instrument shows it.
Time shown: 8:01
